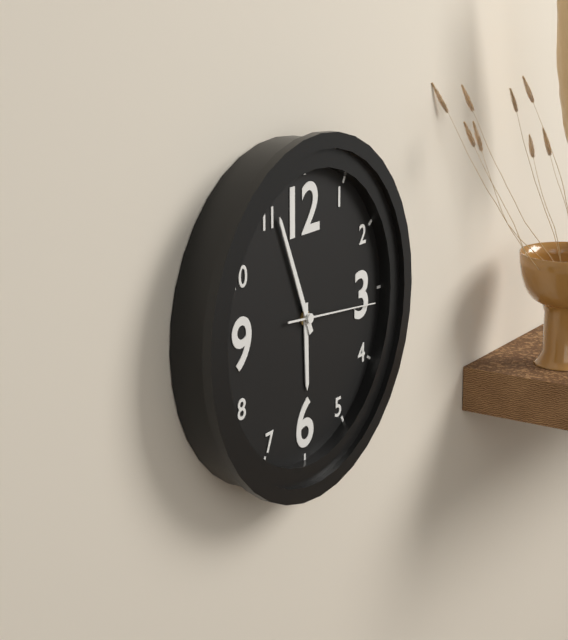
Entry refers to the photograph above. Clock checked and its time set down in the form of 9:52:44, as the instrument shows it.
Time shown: 5:56:16
